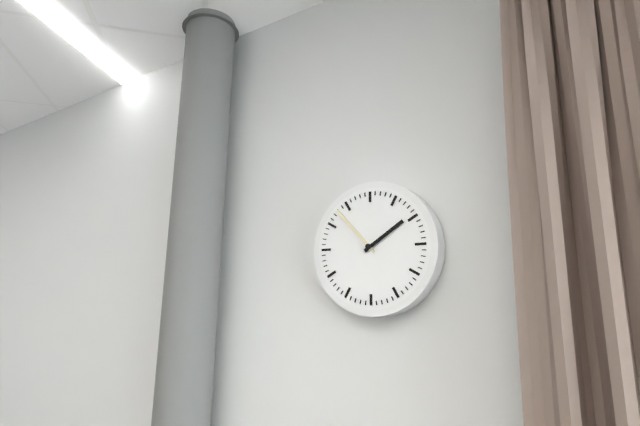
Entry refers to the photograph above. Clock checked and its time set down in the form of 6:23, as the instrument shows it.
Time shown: 1:53
